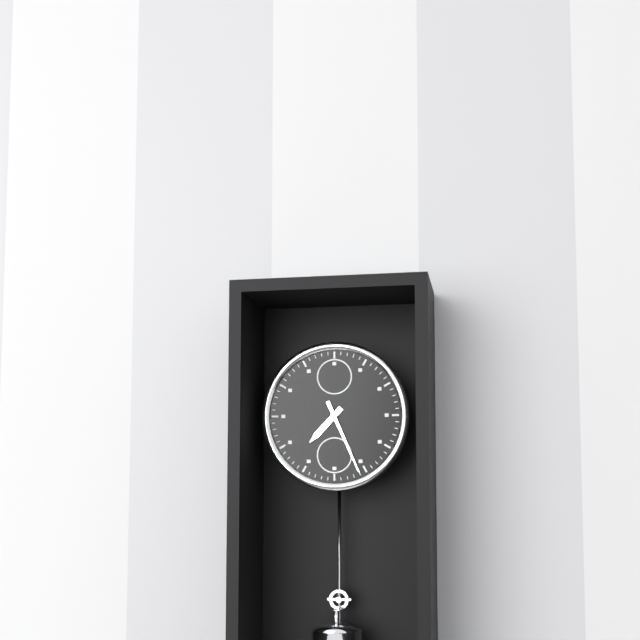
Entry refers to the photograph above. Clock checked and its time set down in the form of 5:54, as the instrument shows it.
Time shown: 7:26
